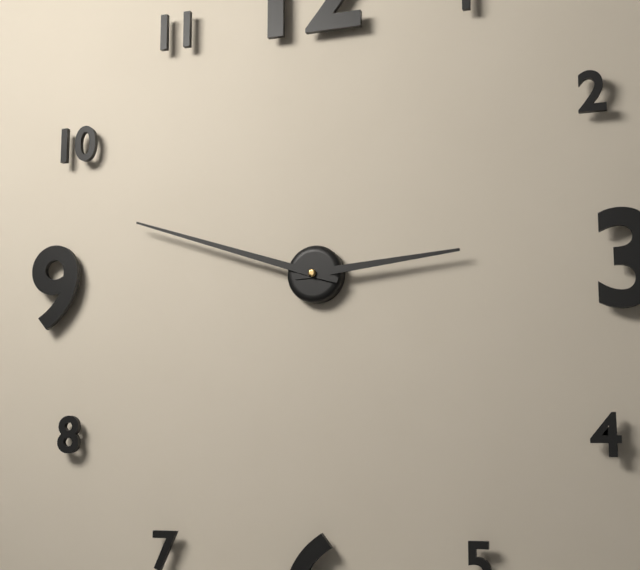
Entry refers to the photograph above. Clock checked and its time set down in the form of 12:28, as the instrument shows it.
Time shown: 2:48
